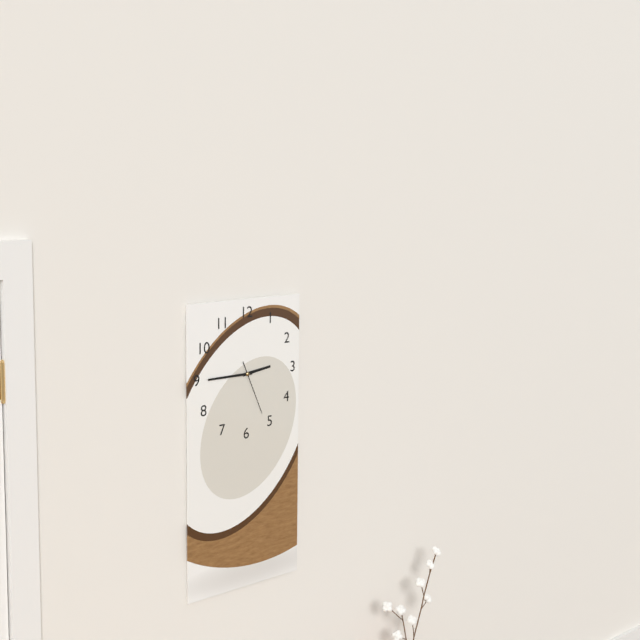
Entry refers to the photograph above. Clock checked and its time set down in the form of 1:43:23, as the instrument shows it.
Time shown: 2:45:26
